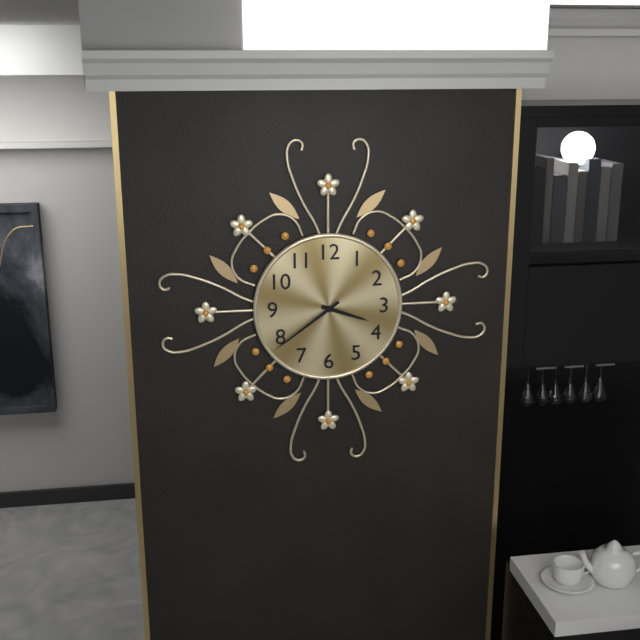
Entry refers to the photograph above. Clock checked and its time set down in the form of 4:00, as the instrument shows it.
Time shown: 3:39
